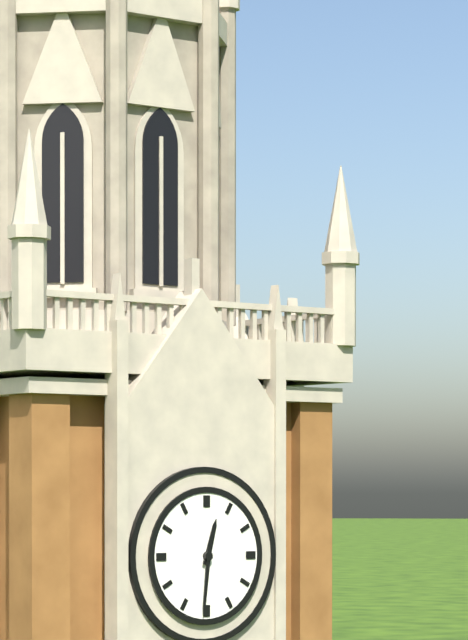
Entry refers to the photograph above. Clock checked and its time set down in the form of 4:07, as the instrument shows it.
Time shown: 12:31
